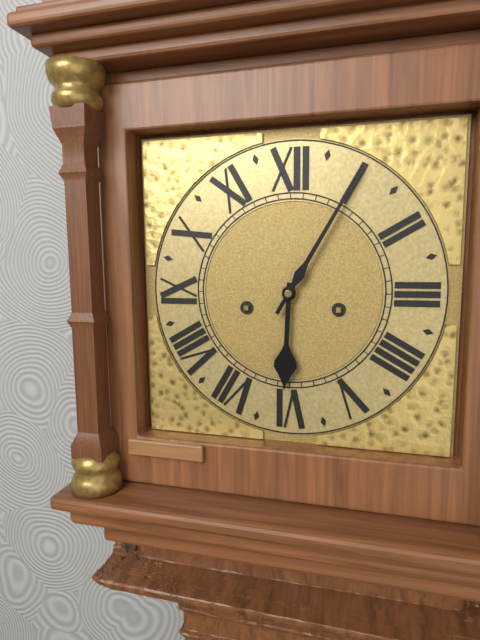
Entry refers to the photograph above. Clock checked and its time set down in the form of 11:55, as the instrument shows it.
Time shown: 6:05
